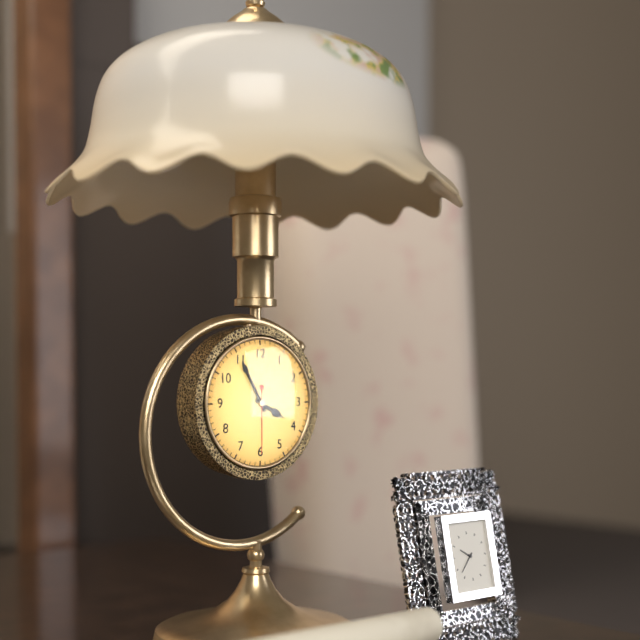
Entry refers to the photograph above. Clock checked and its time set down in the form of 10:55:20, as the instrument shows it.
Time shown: 3:55:30
